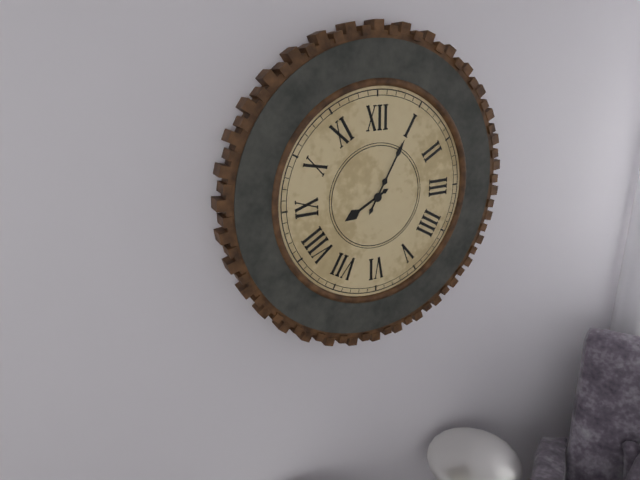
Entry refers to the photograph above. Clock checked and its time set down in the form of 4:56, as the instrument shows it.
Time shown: 8:05
